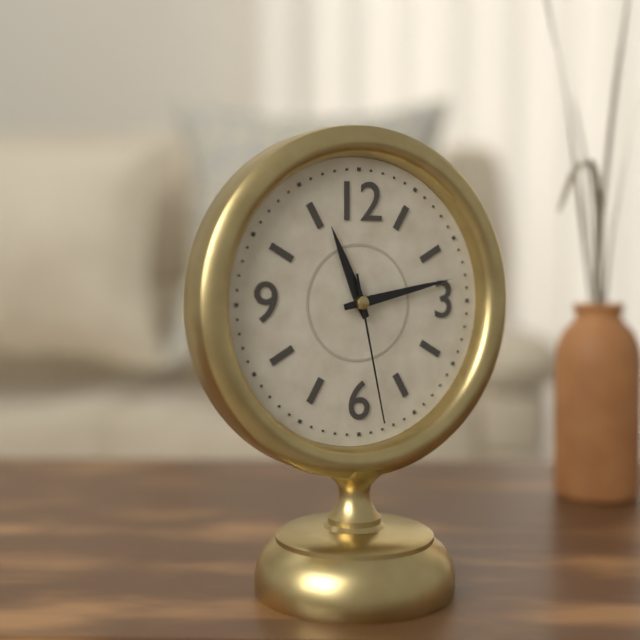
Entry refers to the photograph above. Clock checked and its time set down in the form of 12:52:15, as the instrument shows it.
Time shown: 11:13:28
